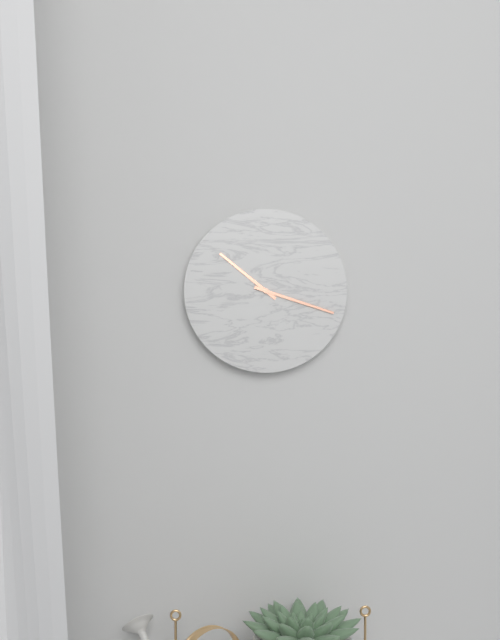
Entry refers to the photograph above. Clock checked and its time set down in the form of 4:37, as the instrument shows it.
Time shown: 10:18
